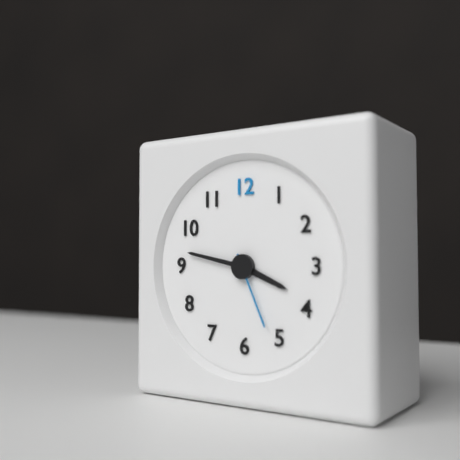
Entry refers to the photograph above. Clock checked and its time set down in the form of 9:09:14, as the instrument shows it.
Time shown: 3:47:26
